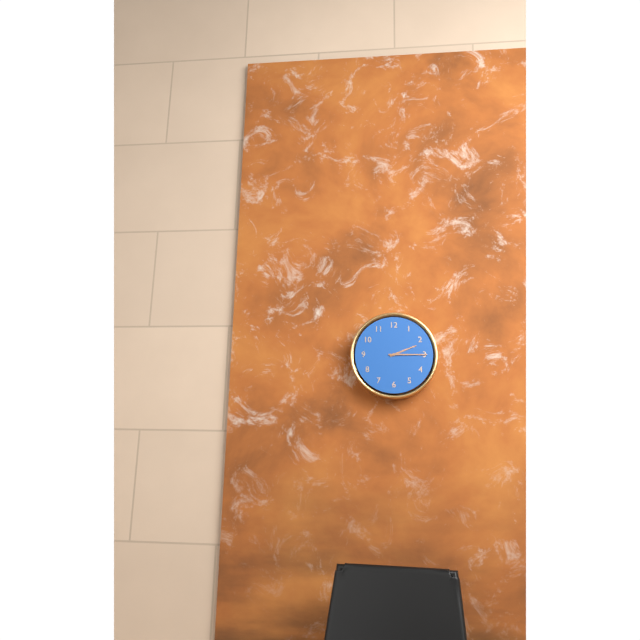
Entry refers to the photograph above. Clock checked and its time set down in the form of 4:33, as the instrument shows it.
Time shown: 2:15
